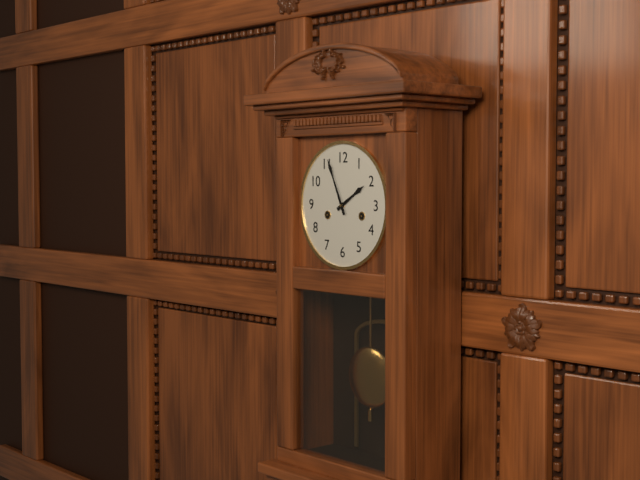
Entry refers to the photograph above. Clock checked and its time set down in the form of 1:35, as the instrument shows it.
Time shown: 1:56
